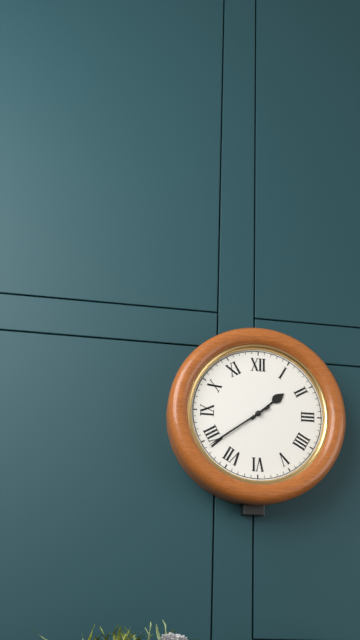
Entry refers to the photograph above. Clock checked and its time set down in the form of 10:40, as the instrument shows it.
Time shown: 1:39
